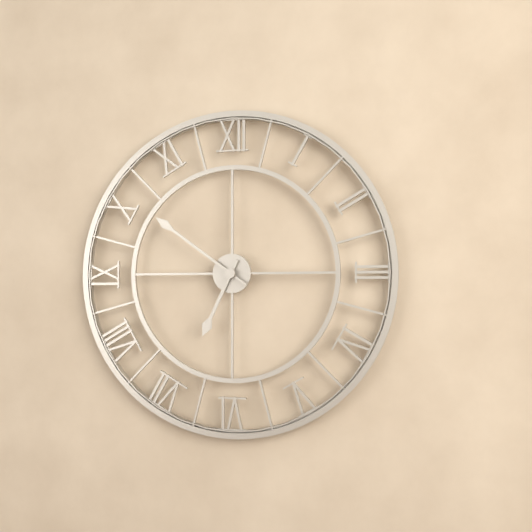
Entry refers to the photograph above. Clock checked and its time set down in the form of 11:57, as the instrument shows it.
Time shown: 6:51
